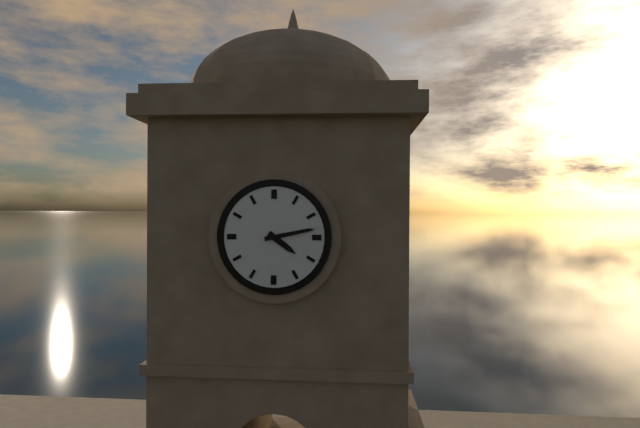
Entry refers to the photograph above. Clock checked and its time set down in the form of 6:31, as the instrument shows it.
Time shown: 4:13
